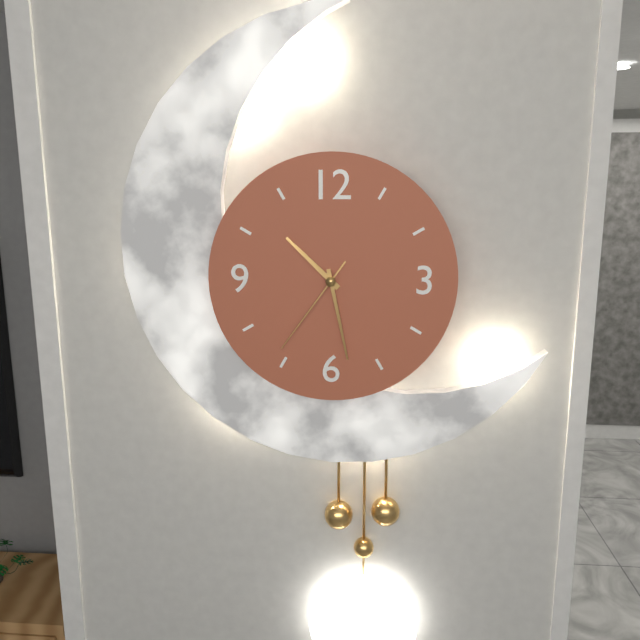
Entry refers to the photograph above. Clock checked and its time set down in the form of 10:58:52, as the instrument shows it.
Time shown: 10:28:36
